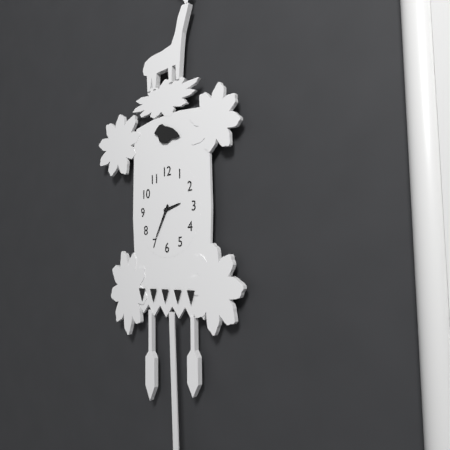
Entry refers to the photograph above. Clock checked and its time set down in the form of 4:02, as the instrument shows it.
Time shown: 2:35
